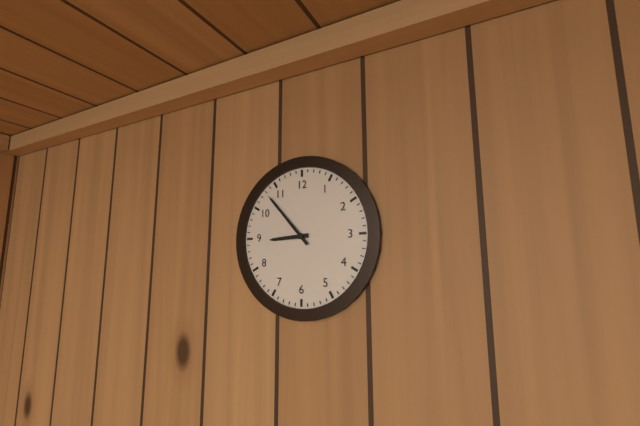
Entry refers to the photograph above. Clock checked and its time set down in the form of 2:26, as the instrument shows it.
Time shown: 8:53
